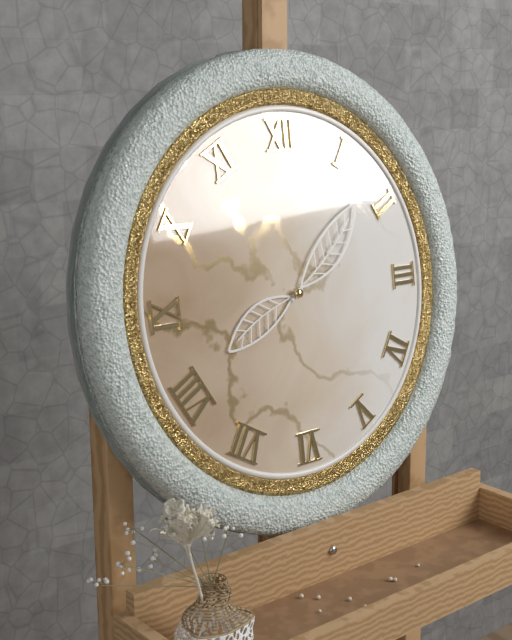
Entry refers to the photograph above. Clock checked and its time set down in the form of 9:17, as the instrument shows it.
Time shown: 8:08
